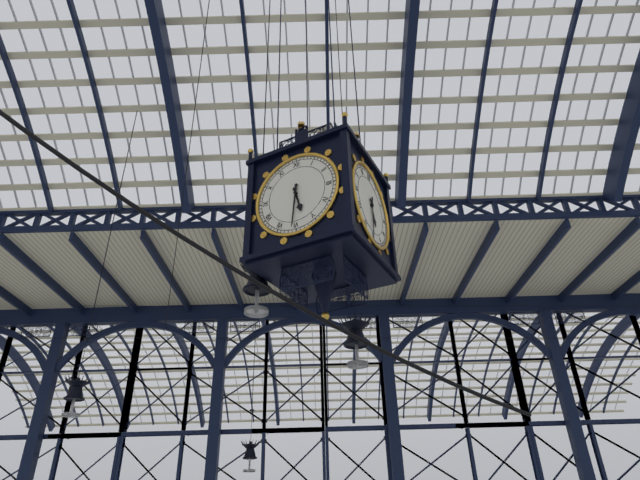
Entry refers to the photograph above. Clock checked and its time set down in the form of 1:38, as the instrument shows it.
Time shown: 5:31
